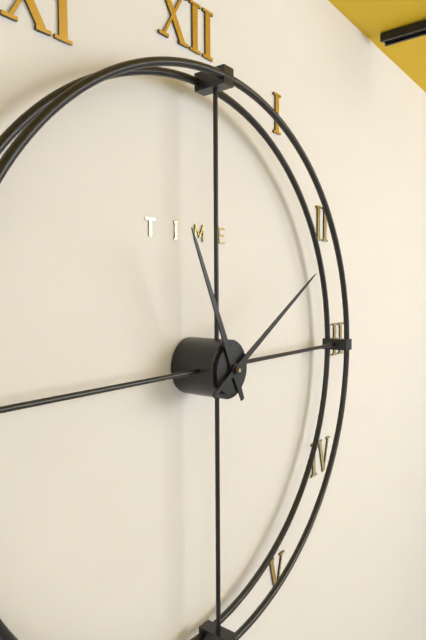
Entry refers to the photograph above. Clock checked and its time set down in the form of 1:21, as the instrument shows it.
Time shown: 11:10
